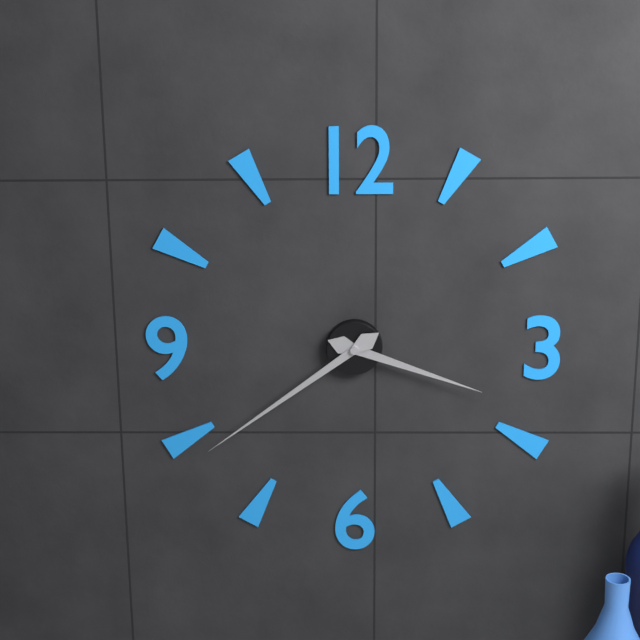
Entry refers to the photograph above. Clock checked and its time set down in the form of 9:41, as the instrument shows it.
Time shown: 3:39
